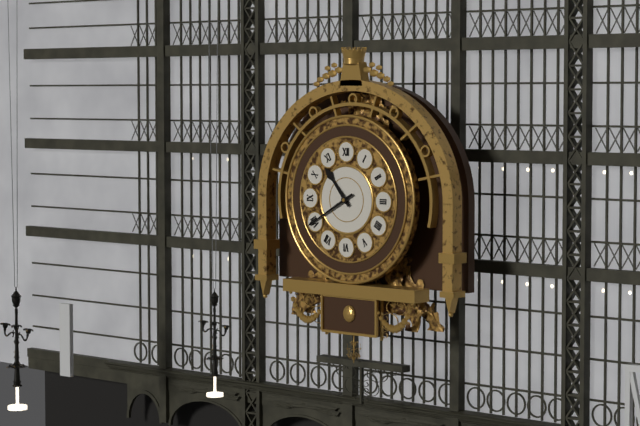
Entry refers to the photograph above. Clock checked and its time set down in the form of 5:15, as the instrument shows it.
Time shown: 10:40
